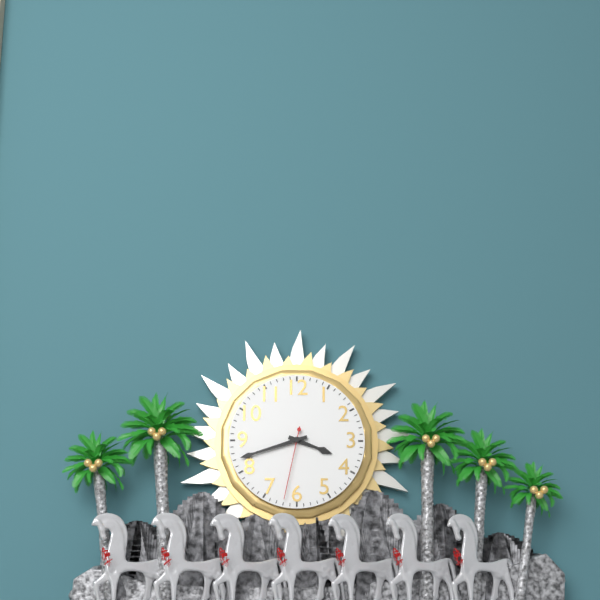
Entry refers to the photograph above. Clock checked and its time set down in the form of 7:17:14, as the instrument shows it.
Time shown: 3:42:32
